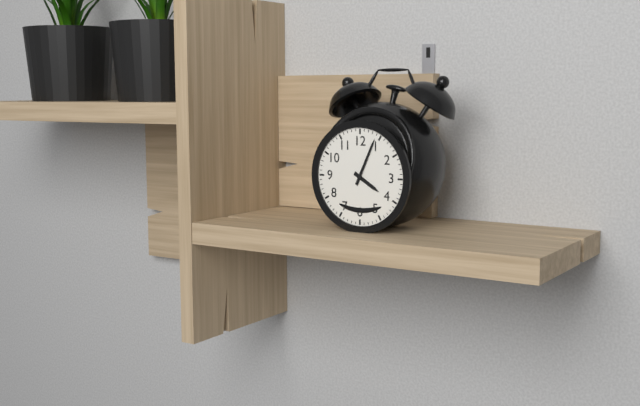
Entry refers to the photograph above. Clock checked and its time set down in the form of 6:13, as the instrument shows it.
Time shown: 4:04
